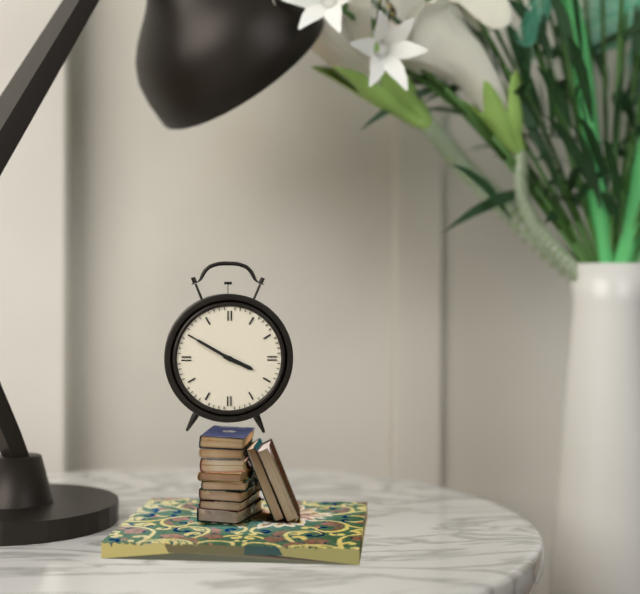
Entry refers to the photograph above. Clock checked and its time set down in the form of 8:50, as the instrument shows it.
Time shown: 3:50
